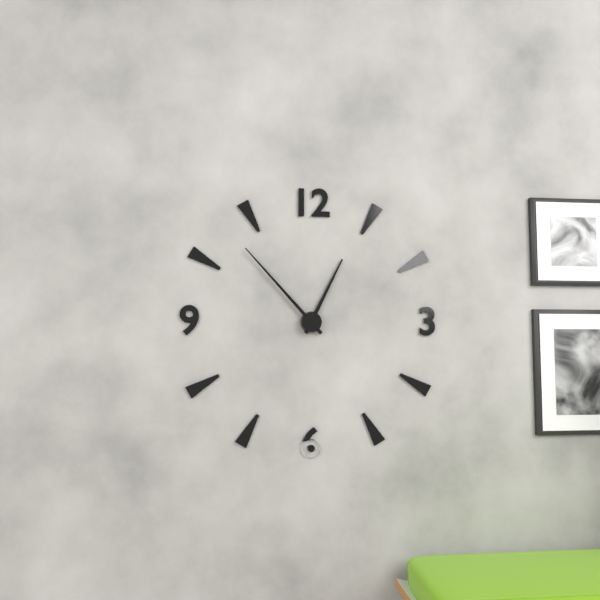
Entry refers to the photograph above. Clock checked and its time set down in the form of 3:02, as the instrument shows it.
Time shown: 12:53
